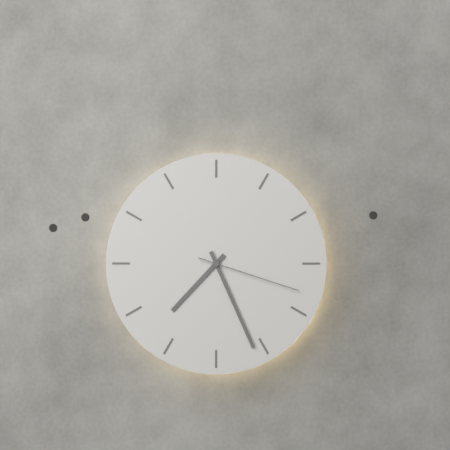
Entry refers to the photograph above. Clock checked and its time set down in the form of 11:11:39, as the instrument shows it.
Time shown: 7:26:18
